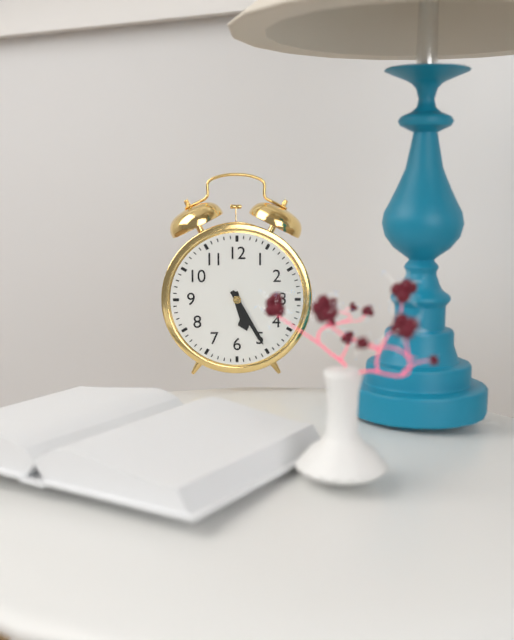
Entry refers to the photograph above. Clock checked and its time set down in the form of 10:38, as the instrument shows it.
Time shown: 5:25
